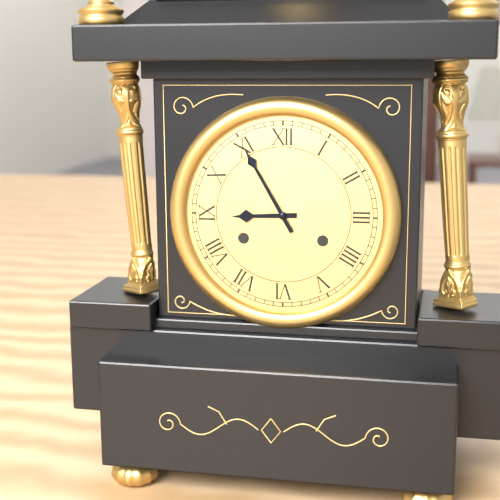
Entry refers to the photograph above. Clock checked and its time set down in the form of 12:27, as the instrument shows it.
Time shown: 8:55
